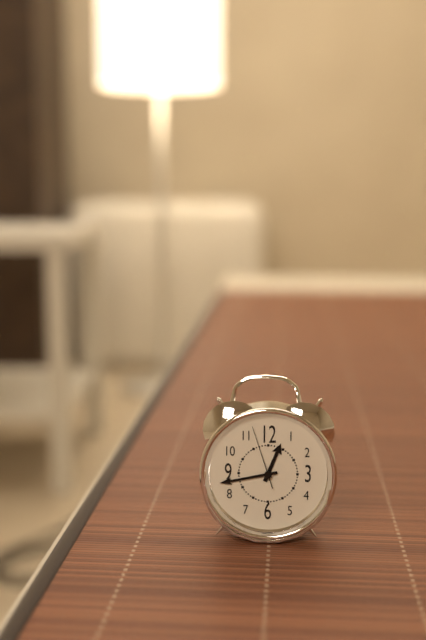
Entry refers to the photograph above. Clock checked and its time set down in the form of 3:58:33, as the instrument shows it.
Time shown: 12:43:57
